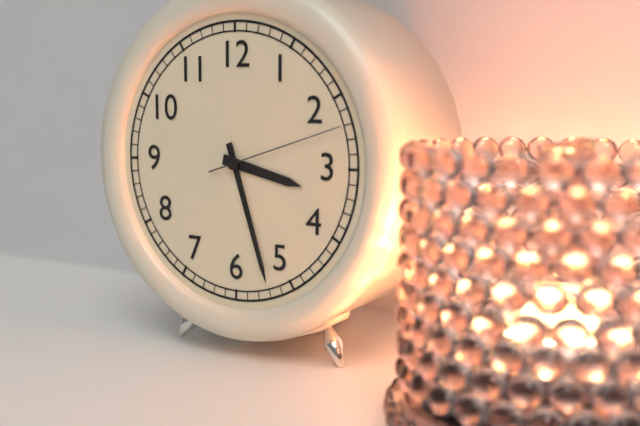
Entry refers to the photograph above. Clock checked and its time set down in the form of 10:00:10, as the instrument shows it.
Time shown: 3:27:12
